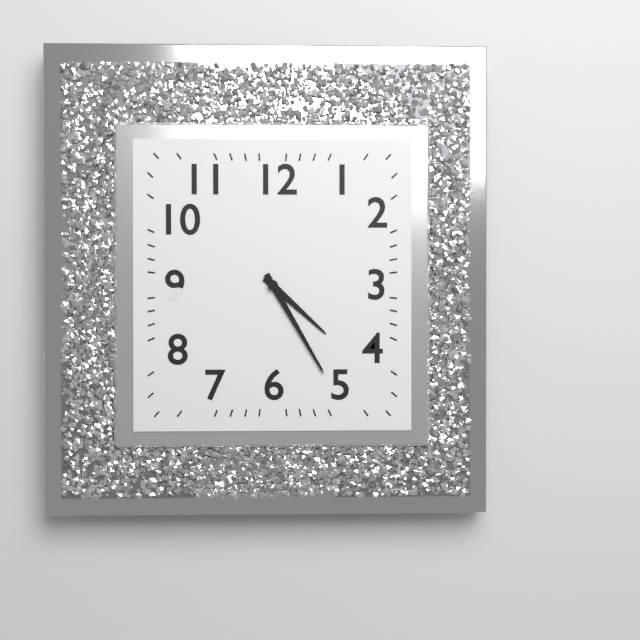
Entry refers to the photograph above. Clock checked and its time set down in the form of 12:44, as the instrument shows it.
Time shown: 4:25
